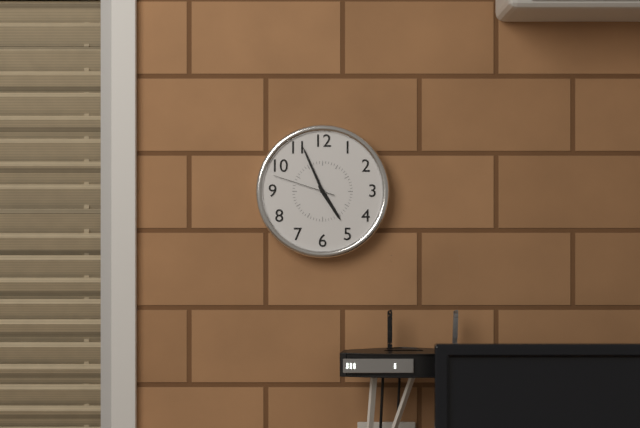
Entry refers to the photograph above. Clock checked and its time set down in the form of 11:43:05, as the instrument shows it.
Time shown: 4:56:48
